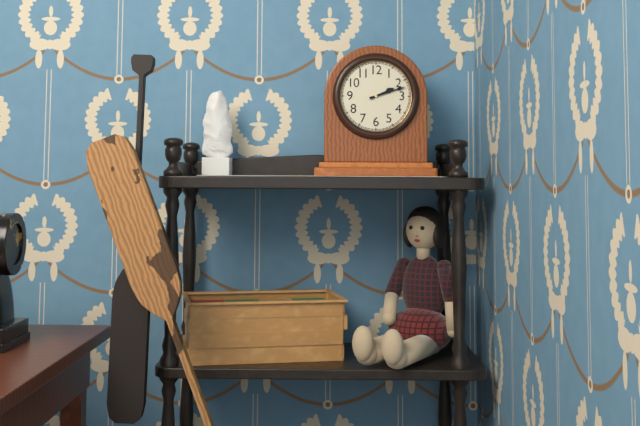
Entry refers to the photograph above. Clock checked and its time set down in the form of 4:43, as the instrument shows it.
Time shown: 2:12
